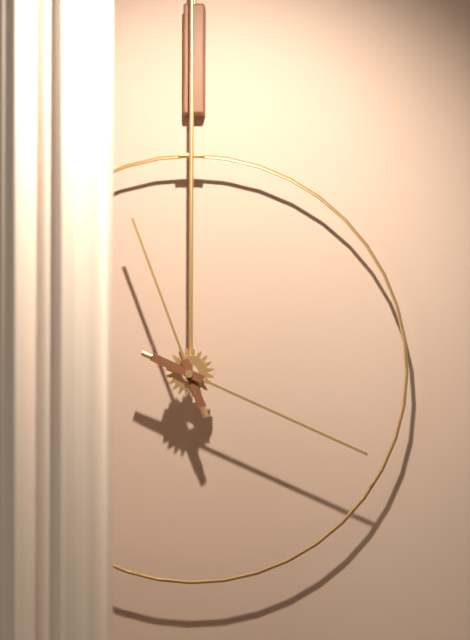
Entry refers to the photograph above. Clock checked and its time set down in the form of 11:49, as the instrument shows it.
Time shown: 11:19
